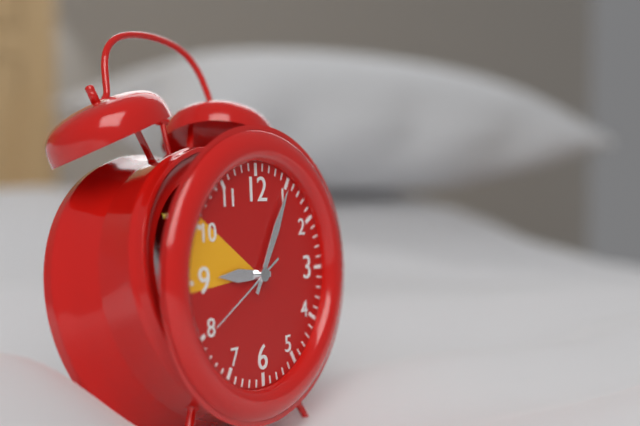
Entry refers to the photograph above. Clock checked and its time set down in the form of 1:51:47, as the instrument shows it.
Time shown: 9:05:40
